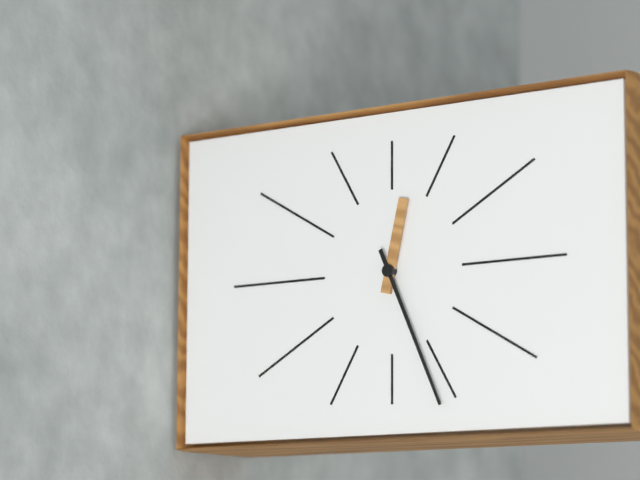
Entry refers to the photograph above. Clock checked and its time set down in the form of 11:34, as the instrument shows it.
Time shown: 12:26
